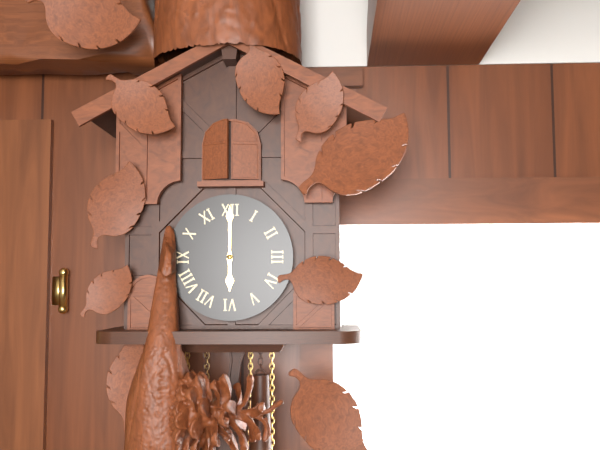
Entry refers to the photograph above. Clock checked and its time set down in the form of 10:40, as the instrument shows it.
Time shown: 6:00
